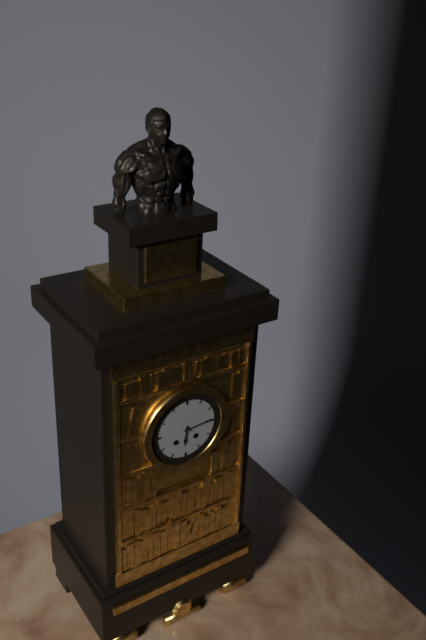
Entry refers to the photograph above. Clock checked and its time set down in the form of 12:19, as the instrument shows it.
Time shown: 6:14
